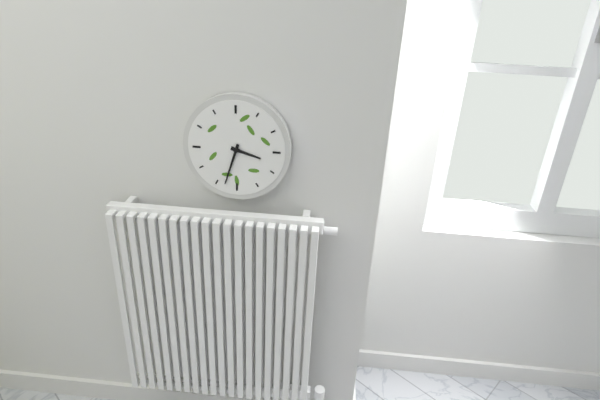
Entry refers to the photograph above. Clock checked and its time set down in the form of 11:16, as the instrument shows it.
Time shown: 3:33
